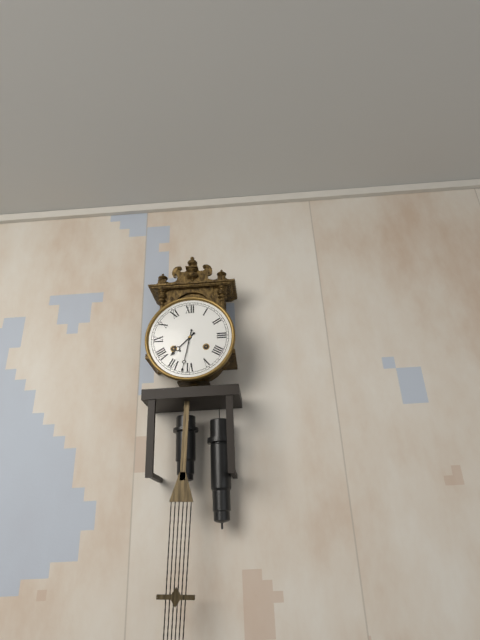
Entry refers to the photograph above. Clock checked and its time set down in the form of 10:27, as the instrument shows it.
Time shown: 7:32
